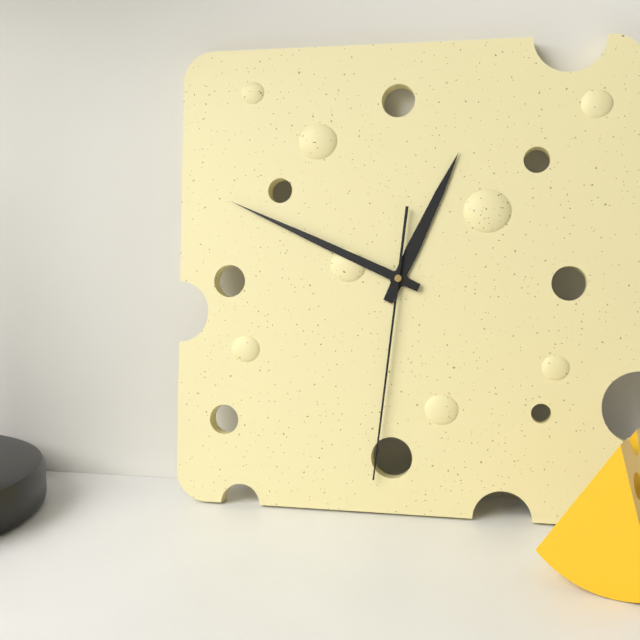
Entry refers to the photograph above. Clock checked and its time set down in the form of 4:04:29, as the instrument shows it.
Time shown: 12:49:31
